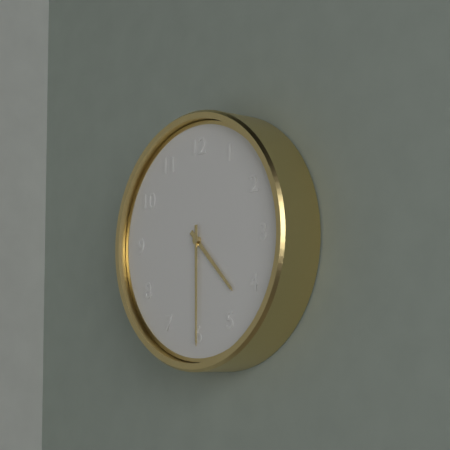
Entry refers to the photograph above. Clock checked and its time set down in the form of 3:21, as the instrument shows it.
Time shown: 4:30
